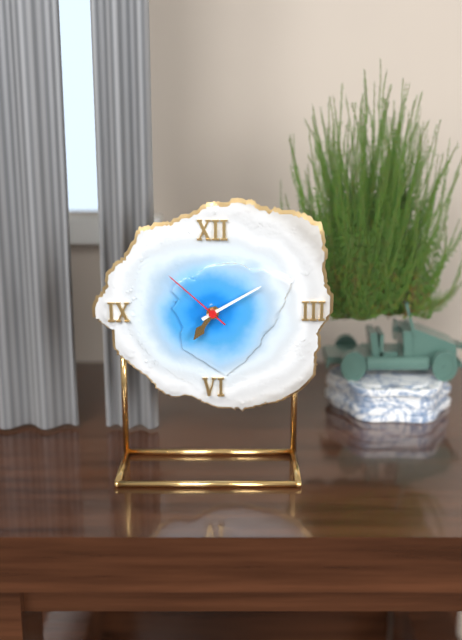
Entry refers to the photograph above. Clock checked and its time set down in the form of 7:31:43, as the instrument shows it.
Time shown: 7:10:52
